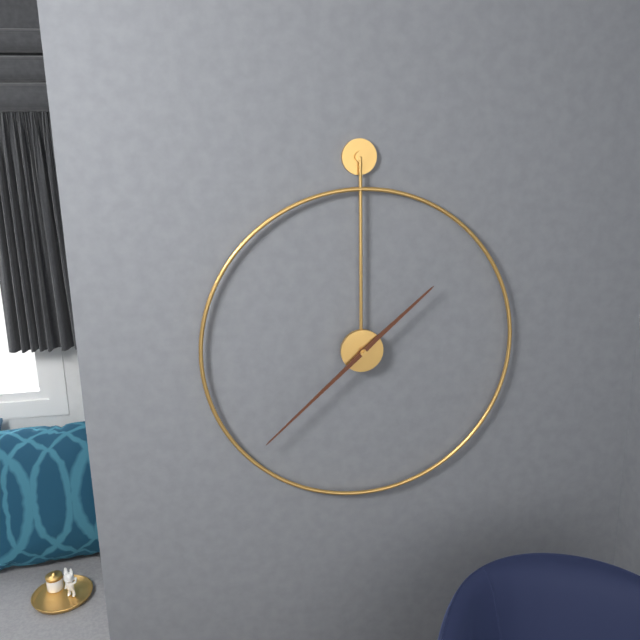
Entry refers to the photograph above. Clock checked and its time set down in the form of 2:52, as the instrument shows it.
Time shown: 1:38
